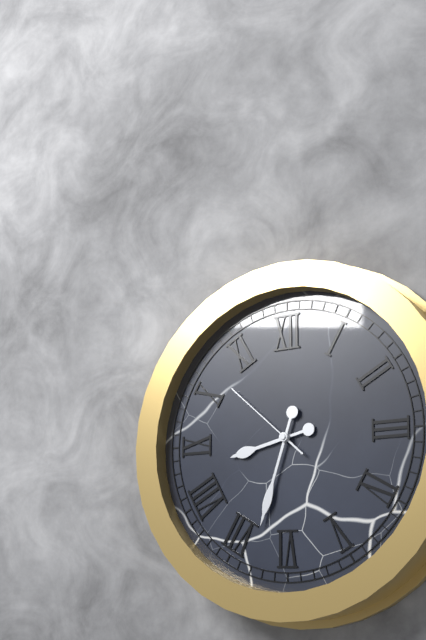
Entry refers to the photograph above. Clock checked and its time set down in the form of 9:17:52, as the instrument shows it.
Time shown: 8:33:52
